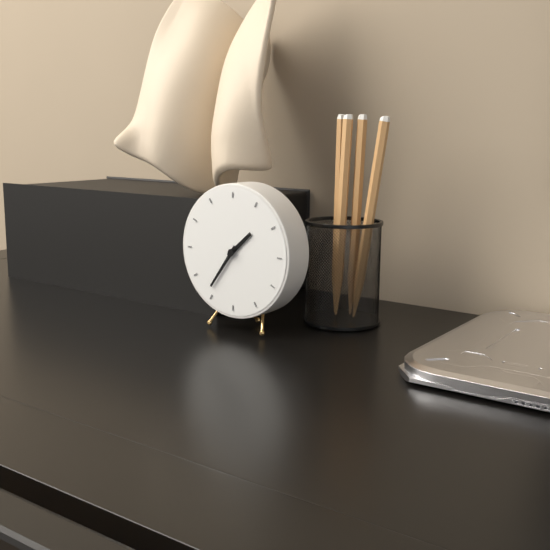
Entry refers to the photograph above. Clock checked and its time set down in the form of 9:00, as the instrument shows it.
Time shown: 1:36
